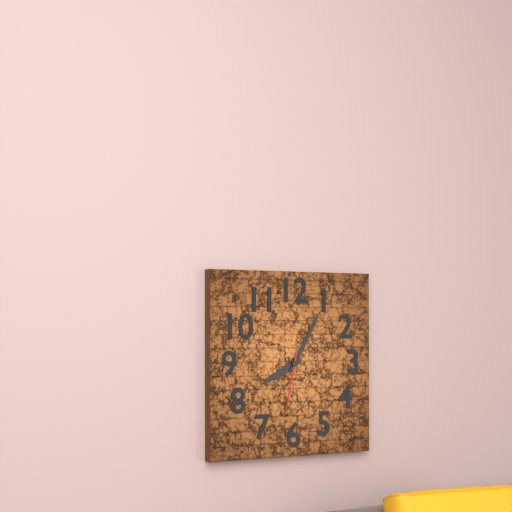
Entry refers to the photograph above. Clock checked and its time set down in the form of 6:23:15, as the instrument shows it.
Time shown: 8:05:32
